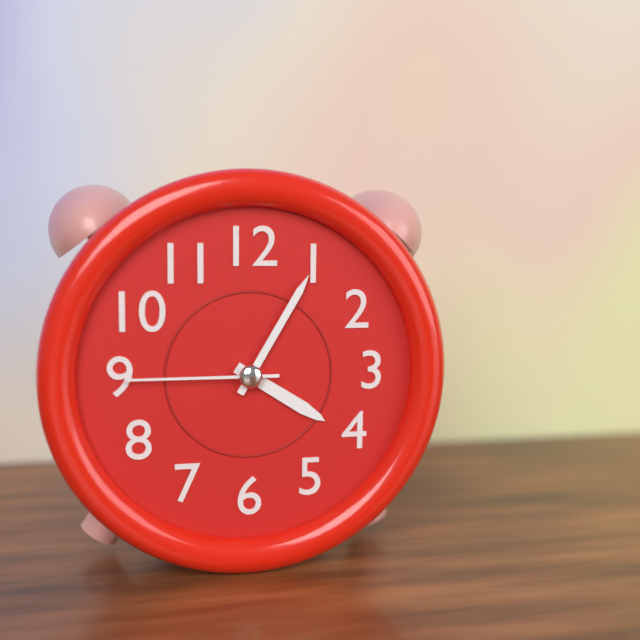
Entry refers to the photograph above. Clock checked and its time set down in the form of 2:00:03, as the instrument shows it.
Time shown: 4:05:45
